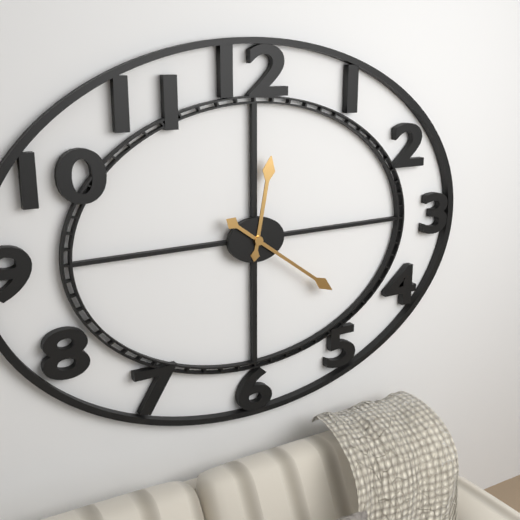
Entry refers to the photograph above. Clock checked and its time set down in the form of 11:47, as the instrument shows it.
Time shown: 12:21
